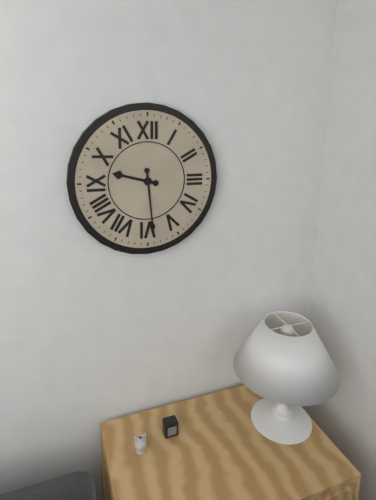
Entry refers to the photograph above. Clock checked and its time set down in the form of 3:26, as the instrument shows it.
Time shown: 9:29
